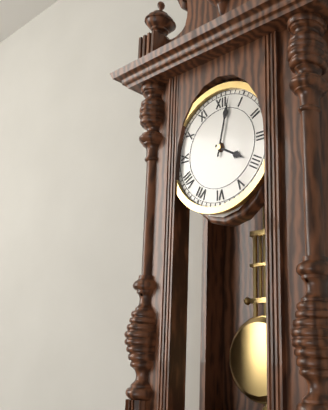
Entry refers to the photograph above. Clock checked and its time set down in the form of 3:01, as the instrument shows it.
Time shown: 4:02
